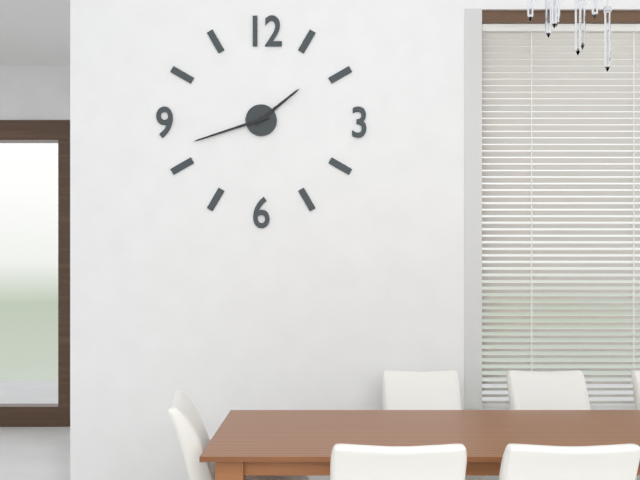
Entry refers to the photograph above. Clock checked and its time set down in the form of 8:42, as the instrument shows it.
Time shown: 1:42
